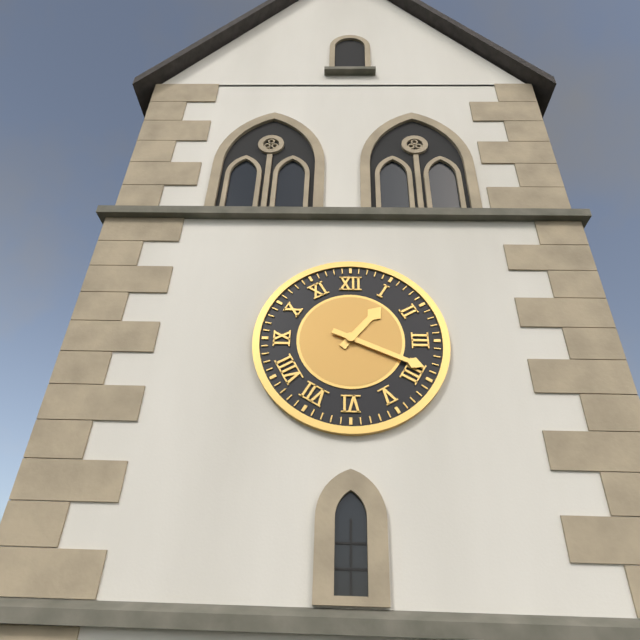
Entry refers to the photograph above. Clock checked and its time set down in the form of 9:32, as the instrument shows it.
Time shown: 1:19
